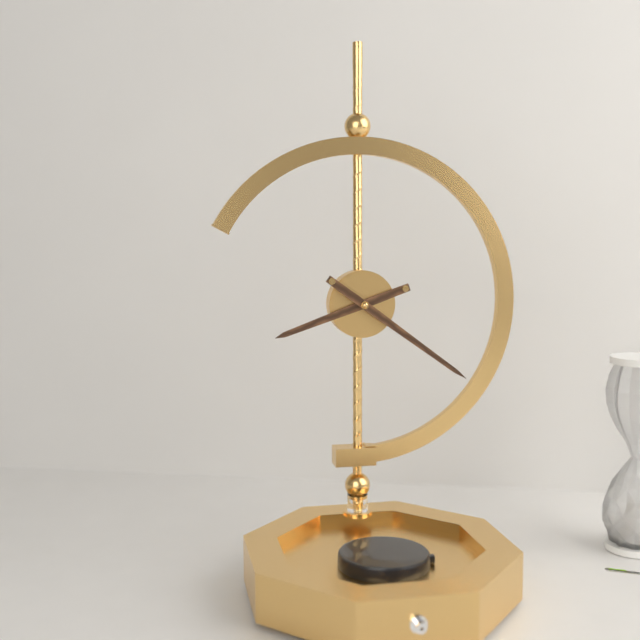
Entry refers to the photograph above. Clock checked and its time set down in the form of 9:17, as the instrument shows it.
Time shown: 8:21
